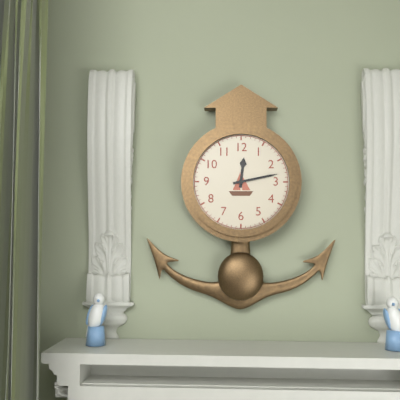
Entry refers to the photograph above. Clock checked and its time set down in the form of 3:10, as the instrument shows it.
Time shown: 12:13
